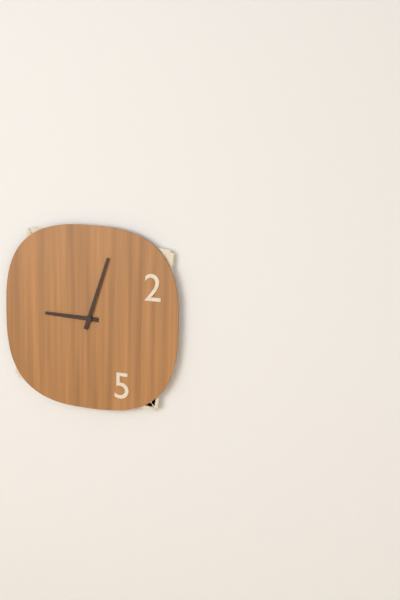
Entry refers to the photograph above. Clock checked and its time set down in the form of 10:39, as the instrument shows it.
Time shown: 9:03
